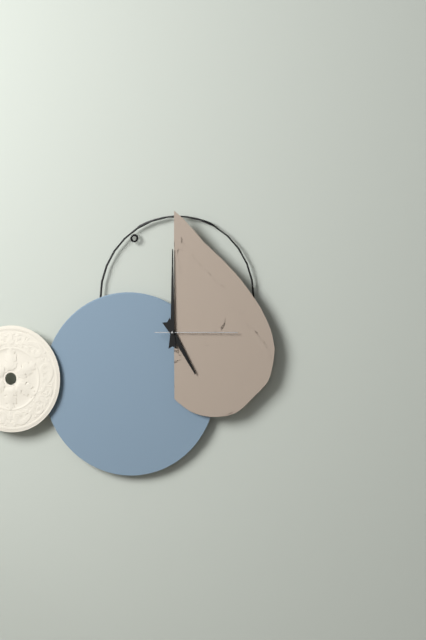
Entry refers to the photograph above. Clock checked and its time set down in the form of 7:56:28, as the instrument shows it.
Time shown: 5:00:15
